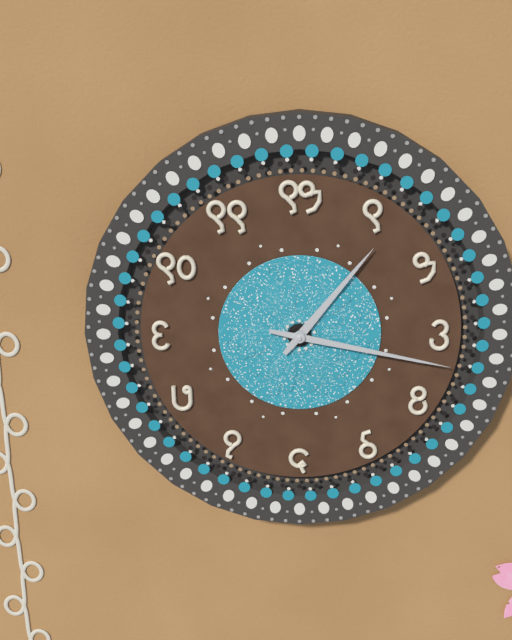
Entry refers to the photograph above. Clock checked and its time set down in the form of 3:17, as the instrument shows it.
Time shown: 1:17
